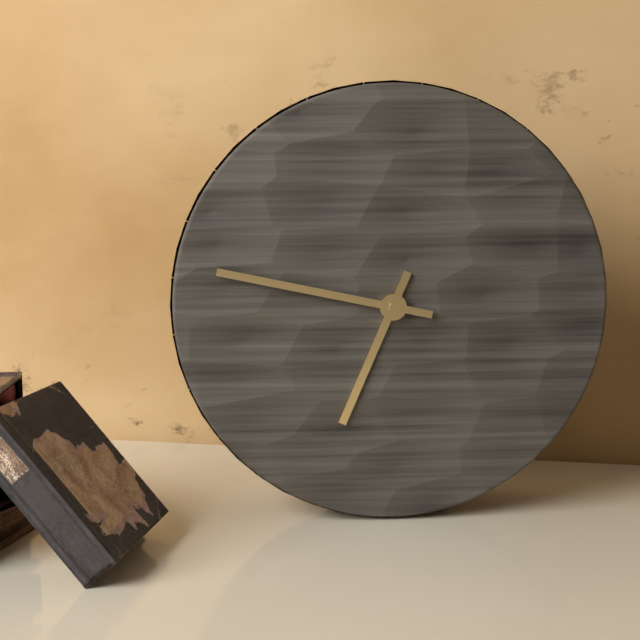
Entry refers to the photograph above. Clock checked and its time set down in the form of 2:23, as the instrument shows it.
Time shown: 6:47
